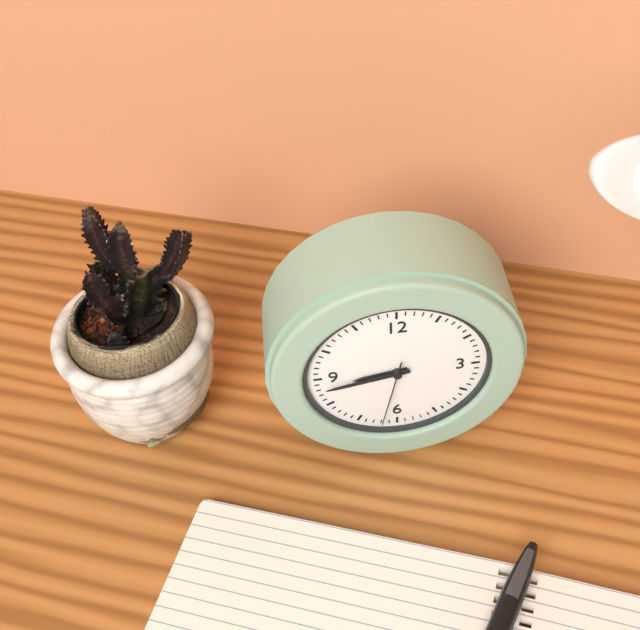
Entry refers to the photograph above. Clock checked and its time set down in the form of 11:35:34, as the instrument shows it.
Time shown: 8:43:32
